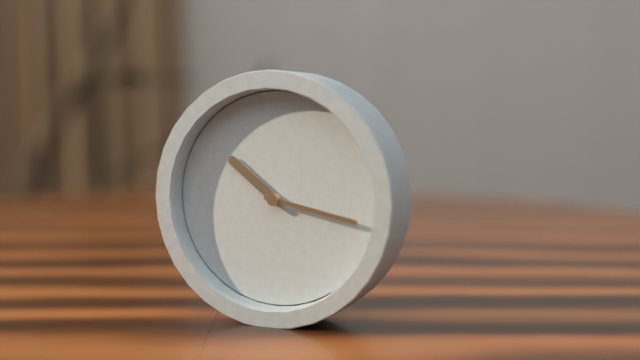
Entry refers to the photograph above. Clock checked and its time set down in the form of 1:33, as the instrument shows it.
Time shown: 10:17
